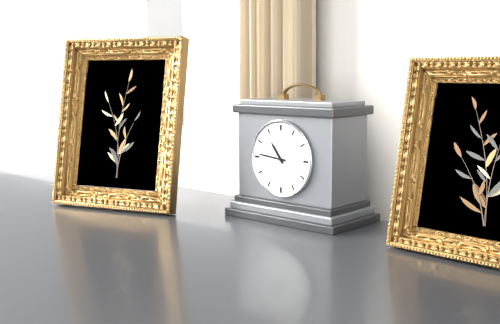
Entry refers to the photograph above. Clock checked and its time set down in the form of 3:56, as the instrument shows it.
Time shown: 10:46
